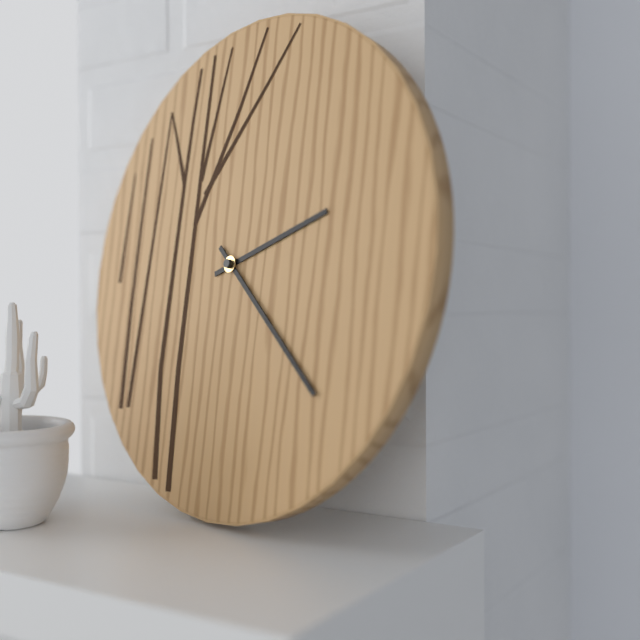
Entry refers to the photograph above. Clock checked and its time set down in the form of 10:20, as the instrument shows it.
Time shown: 2:22
